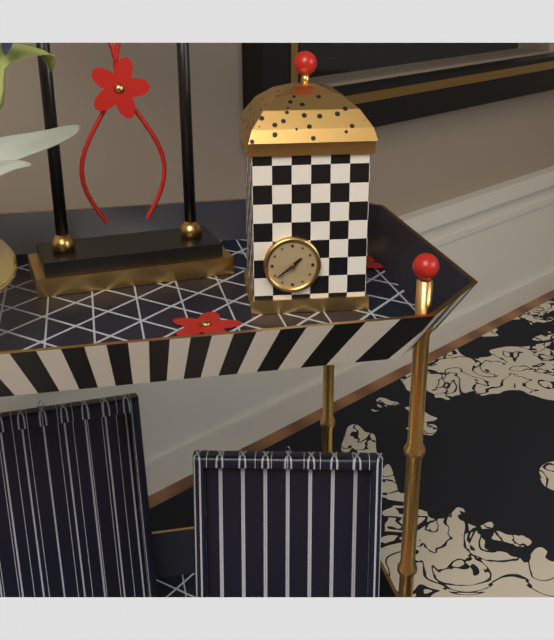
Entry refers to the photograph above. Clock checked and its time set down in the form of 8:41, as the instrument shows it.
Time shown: 1:39
